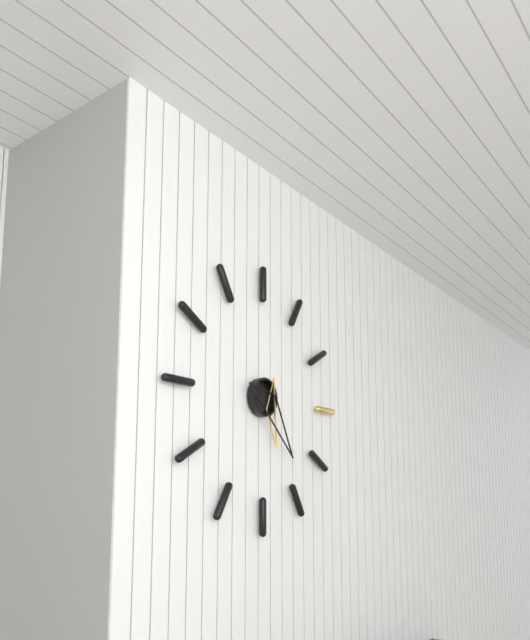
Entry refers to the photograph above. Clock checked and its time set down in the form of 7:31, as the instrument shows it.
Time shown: 5:24
